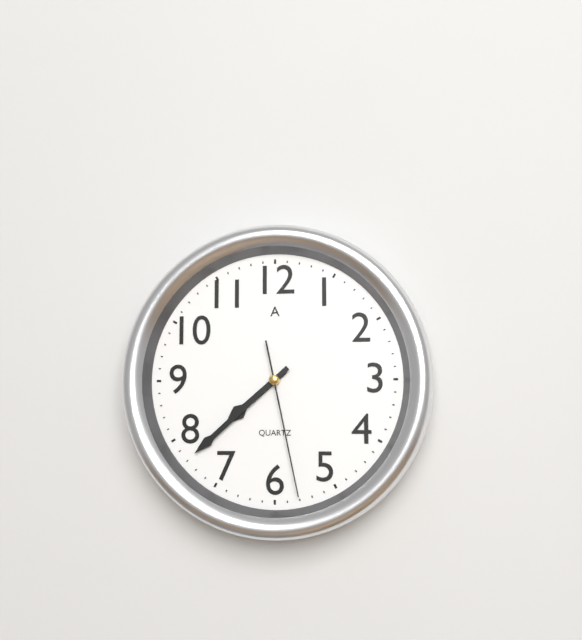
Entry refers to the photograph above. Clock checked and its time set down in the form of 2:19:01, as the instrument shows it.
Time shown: 7:38:28
